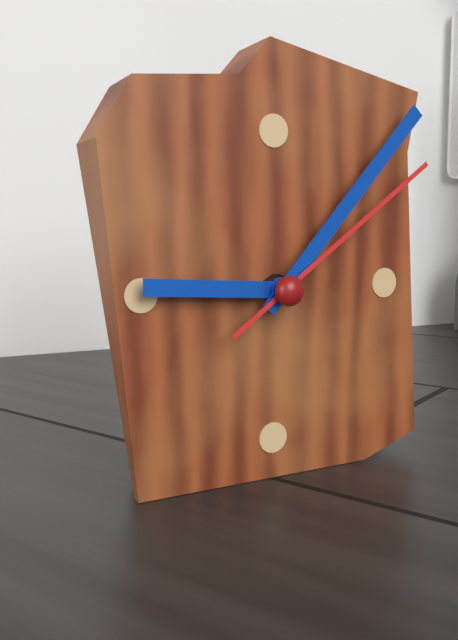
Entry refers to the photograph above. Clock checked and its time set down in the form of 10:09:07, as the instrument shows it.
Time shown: 9:07:09
